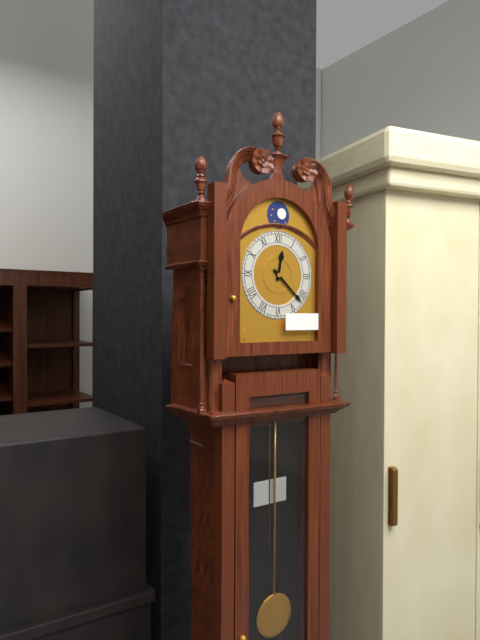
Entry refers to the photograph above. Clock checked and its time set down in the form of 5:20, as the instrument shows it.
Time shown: 12:22
